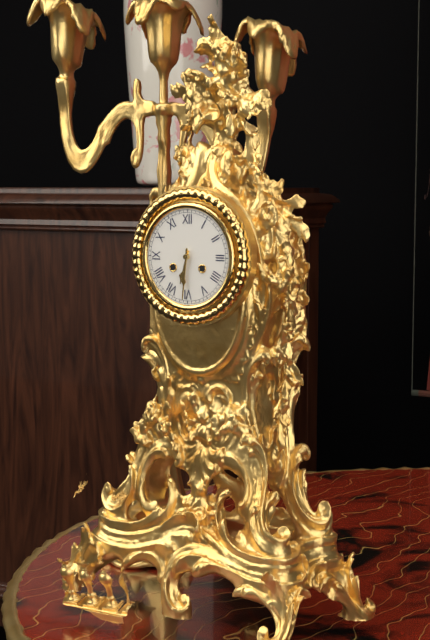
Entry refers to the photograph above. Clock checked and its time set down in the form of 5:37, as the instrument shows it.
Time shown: 6:31
